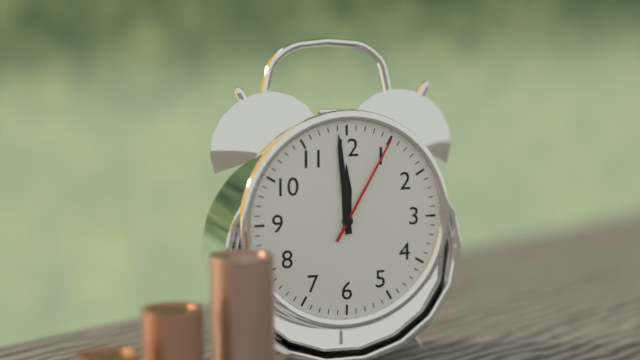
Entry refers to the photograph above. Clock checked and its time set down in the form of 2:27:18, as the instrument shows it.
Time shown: 11:59:05
